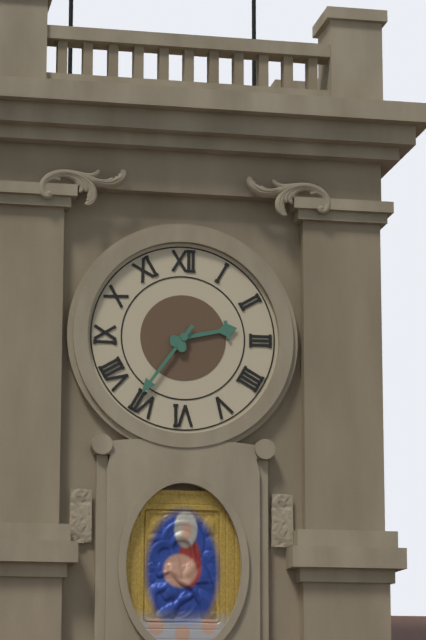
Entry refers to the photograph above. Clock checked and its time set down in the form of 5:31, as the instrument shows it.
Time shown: 2:36
